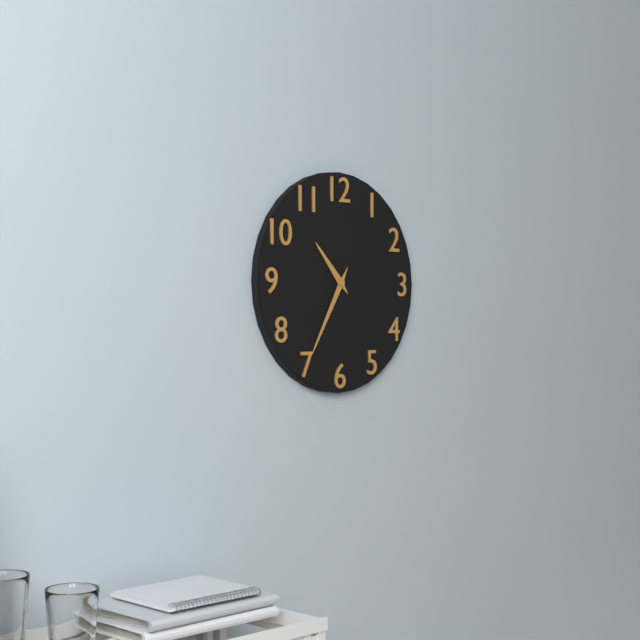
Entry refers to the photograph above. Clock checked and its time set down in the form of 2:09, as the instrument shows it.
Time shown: 10:35
